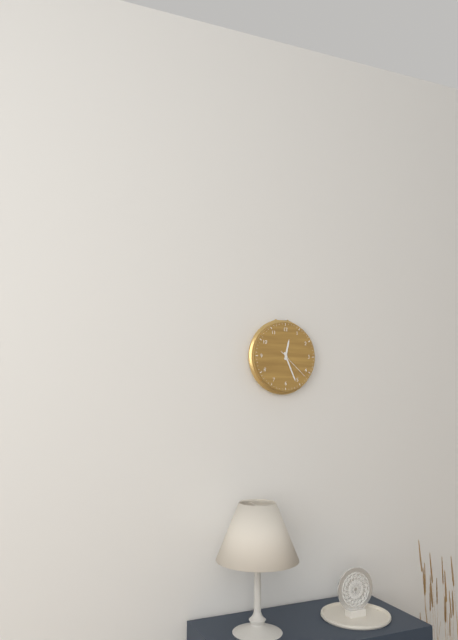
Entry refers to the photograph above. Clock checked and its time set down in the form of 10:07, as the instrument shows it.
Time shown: 12:26
